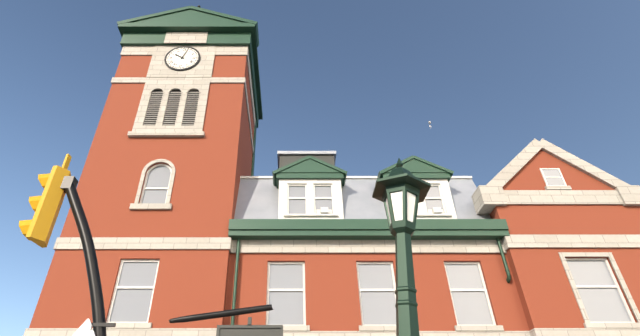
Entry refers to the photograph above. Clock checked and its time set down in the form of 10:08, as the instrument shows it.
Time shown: 10:03
